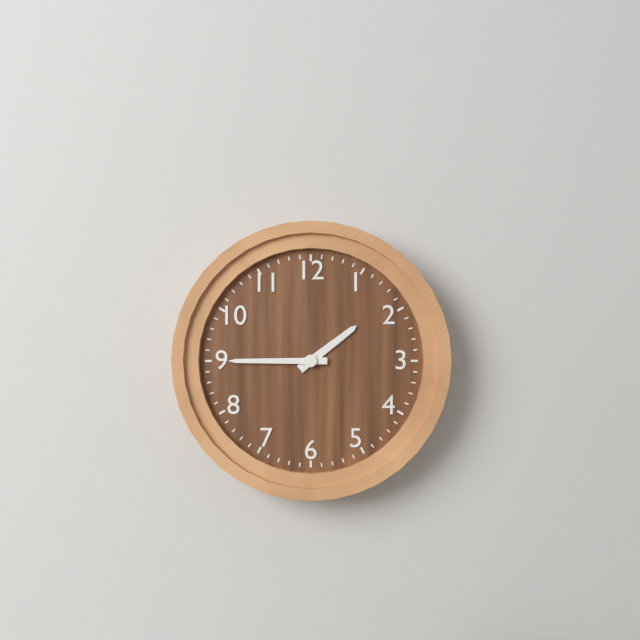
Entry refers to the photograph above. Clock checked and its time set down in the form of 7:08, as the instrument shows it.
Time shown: 1:45
